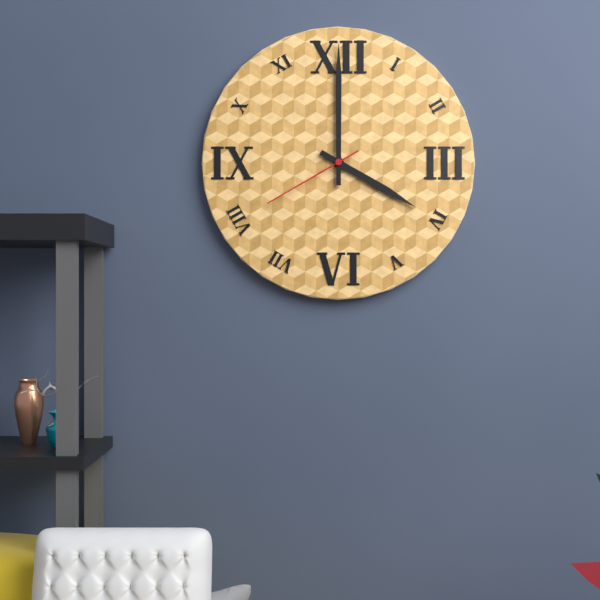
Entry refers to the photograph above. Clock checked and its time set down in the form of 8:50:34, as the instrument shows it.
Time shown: 4:00:40
